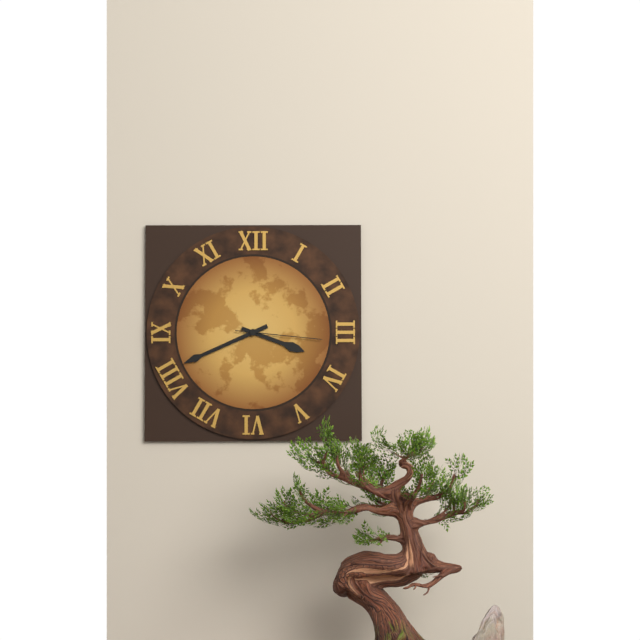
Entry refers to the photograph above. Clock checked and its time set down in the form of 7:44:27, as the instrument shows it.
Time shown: 3:41:16
